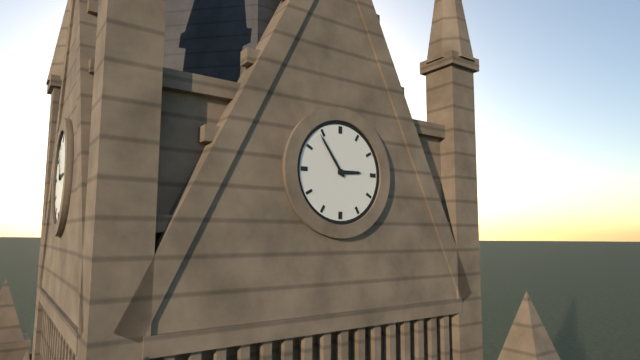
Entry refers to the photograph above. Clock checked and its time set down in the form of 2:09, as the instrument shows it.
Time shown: 2:54
